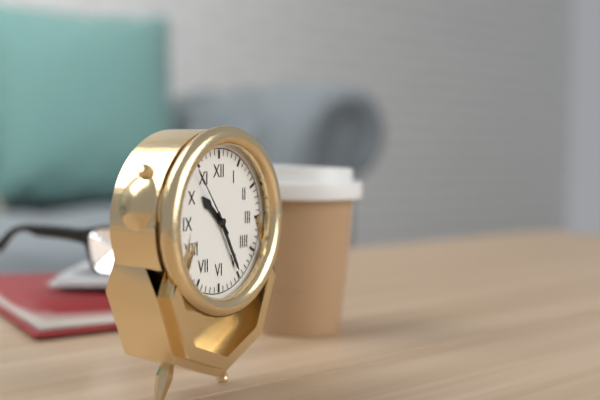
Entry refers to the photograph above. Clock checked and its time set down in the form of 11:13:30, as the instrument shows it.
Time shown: 10:25:54
